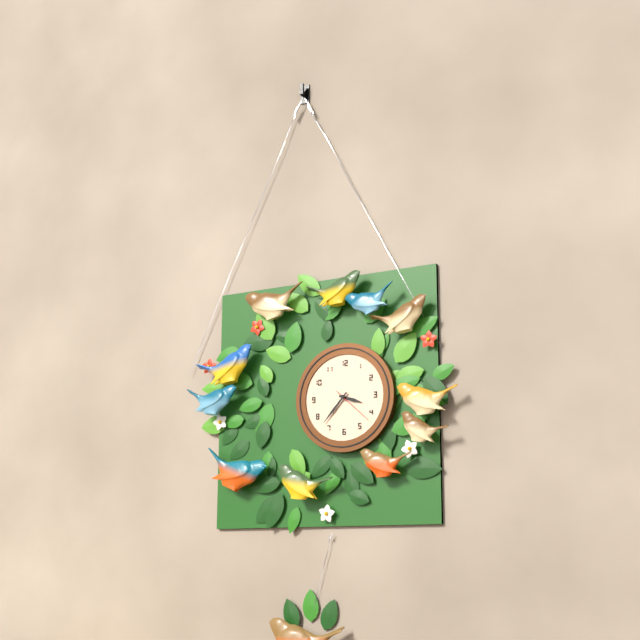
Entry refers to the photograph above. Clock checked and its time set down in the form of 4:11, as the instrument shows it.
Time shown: 3:37
